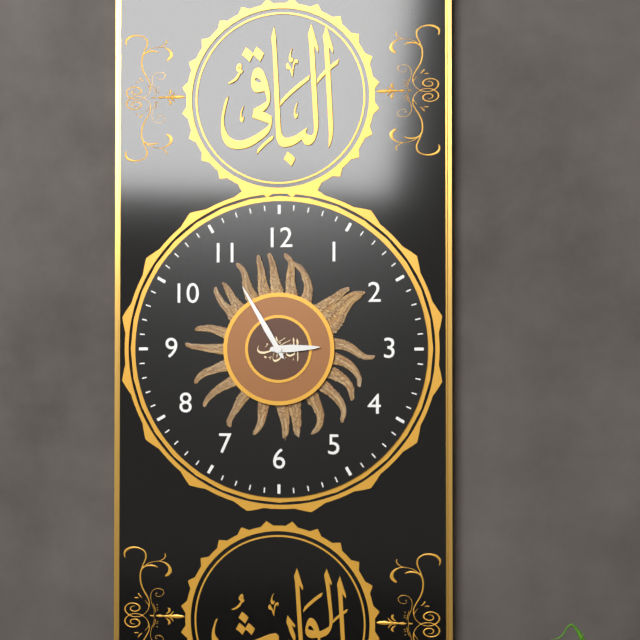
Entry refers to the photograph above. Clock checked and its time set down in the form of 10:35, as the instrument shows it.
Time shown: 2:55
